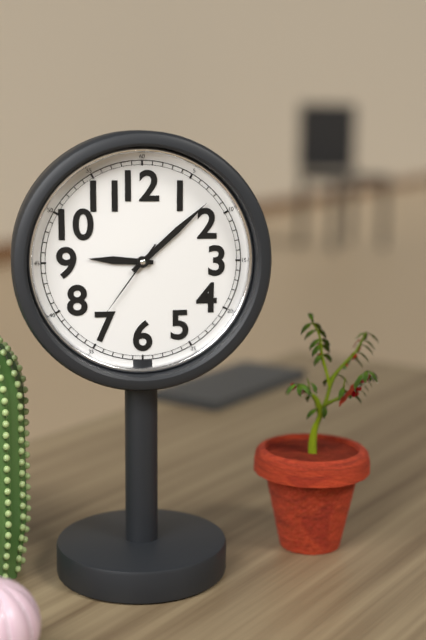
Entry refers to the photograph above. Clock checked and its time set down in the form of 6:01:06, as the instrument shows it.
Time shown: 9:08:36
